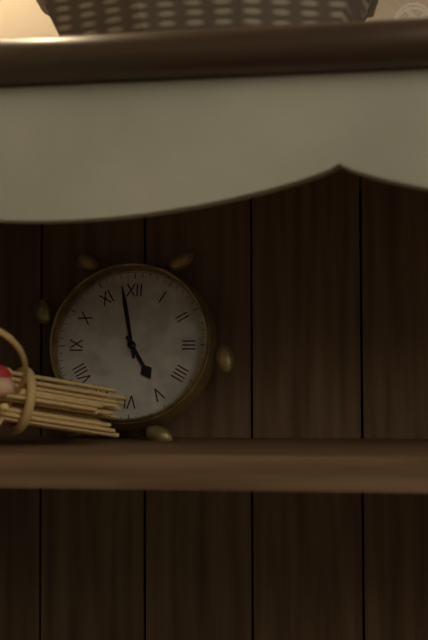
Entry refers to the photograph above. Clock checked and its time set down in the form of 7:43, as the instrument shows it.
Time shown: 4:58
